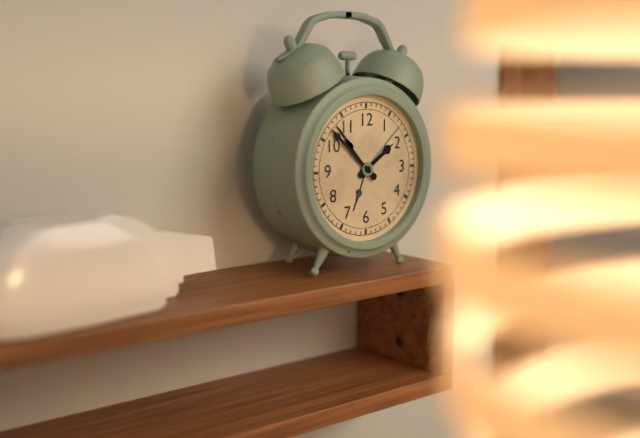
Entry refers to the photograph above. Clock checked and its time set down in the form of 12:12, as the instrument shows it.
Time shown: 1:52
